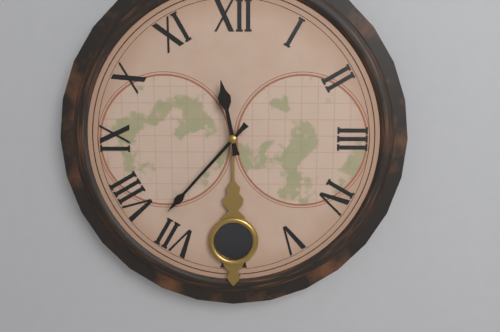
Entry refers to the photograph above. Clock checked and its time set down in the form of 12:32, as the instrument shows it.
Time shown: 11:37
